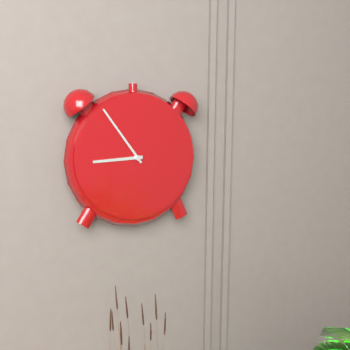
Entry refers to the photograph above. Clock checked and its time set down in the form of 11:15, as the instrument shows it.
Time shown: 8:54
